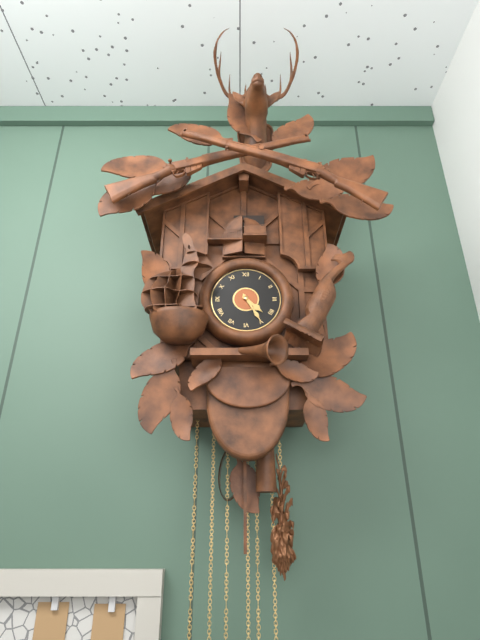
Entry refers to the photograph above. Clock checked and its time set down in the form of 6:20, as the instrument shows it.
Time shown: 4:25
